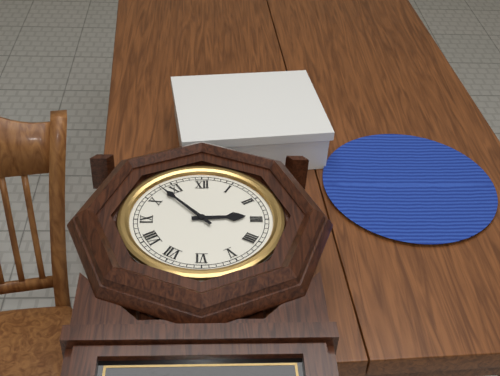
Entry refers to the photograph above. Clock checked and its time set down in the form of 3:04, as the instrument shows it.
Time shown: 2:53
